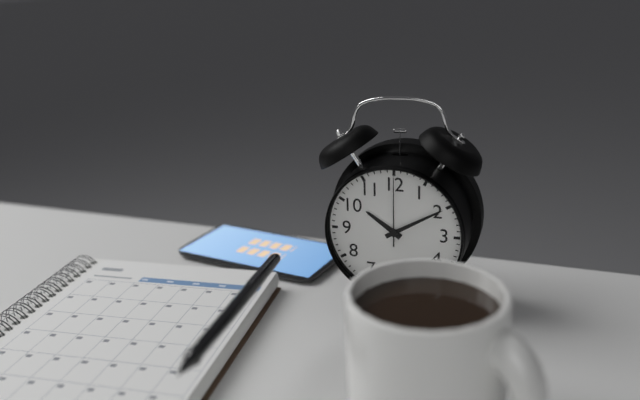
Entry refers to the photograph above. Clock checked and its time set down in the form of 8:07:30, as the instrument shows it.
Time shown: 10:10:00
